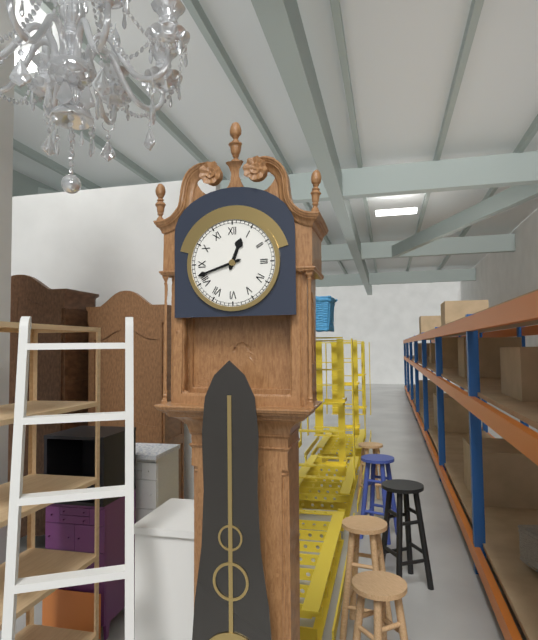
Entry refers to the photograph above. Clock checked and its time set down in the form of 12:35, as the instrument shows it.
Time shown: 12:42
